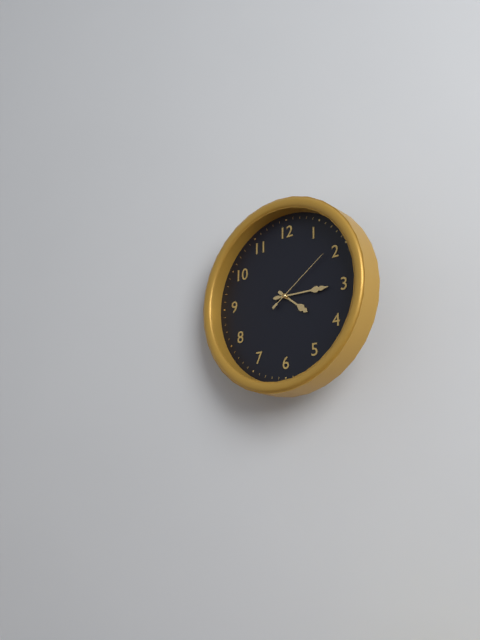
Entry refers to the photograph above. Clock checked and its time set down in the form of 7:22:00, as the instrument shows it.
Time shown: 4:15:09
